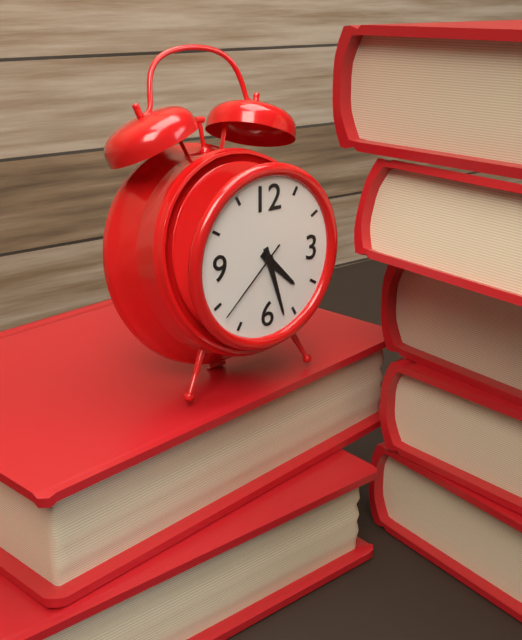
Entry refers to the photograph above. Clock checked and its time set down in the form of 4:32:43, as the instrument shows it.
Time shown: 4:27:38
